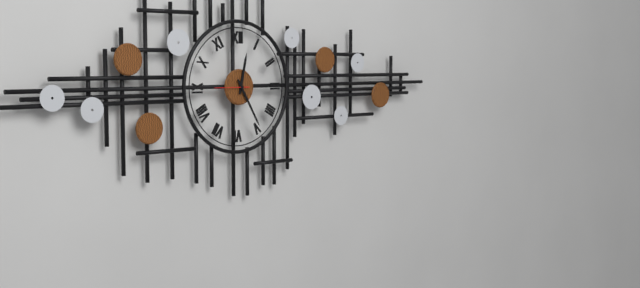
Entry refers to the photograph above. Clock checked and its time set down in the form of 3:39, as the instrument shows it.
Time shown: 12:25
